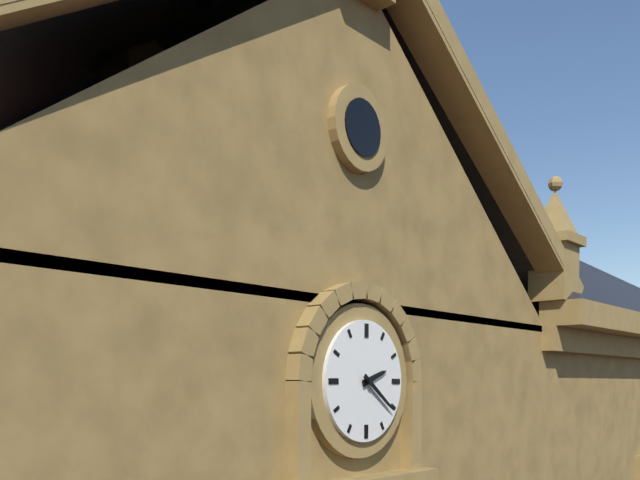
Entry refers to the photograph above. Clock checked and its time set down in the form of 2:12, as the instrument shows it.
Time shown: 2:21
